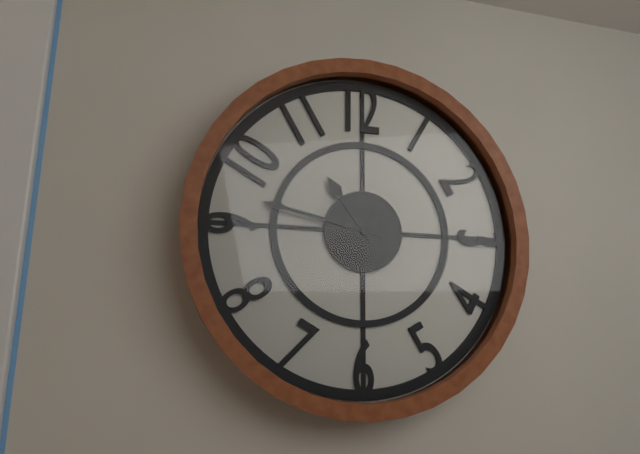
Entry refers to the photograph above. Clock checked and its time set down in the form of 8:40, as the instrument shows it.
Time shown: 10:47
